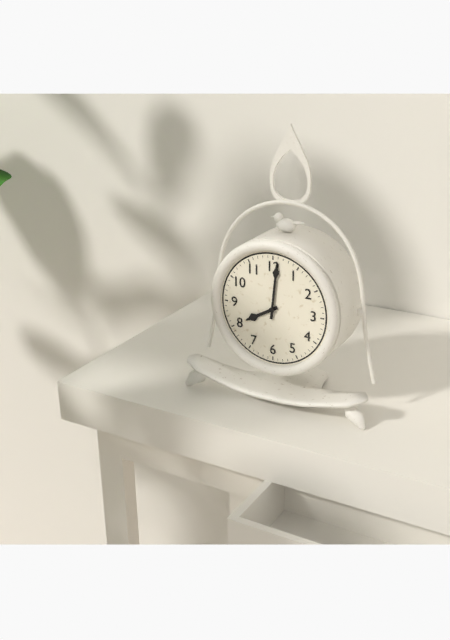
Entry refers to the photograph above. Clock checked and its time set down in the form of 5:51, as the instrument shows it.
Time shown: 8:01
